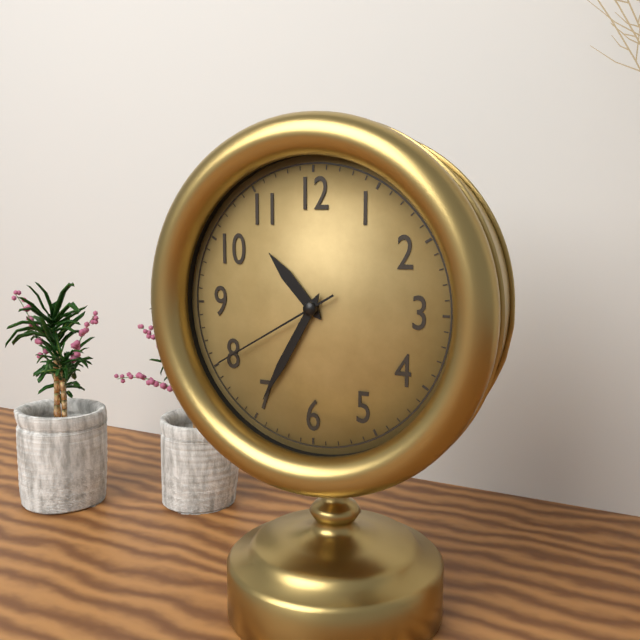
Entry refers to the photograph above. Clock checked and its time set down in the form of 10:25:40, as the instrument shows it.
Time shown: 10:35:40
